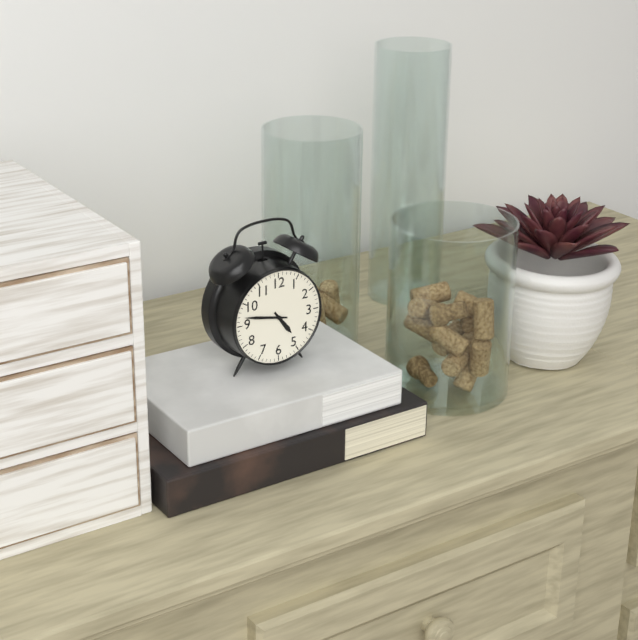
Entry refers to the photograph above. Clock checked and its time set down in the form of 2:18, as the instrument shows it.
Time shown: 4:47
